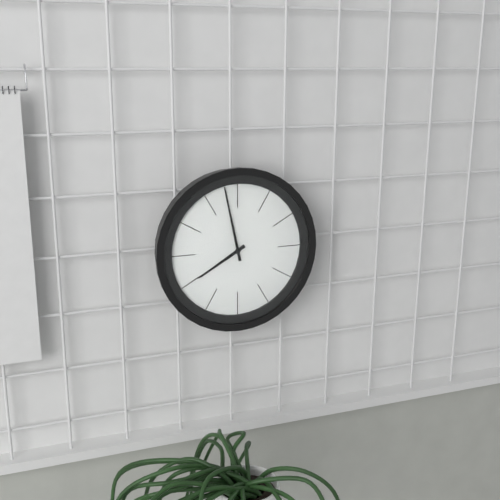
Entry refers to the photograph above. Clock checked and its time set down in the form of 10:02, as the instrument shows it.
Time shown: 7:58
